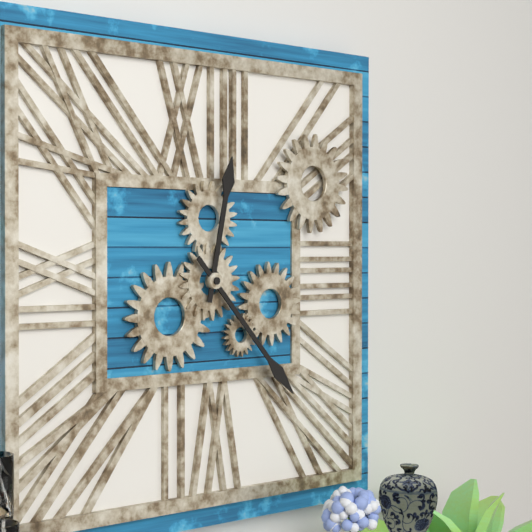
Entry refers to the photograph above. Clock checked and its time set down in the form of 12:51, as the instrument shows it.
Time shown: 12:23
